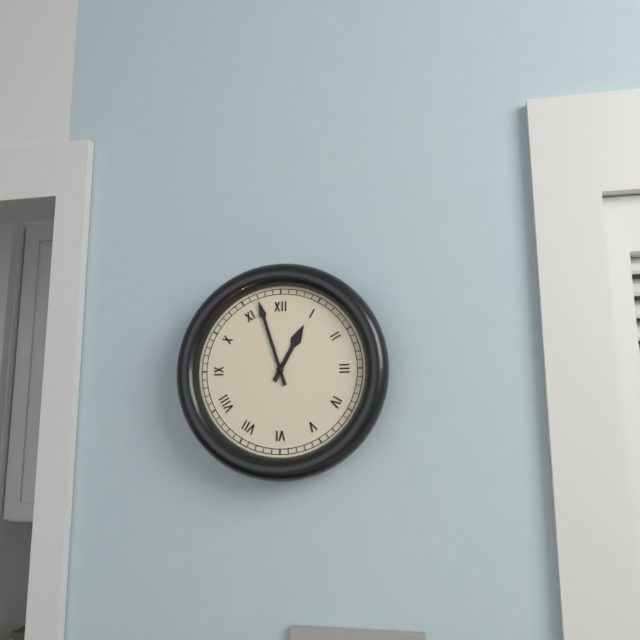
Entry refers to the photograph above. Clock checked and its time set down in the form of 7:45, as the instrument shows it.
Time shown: 12:57
